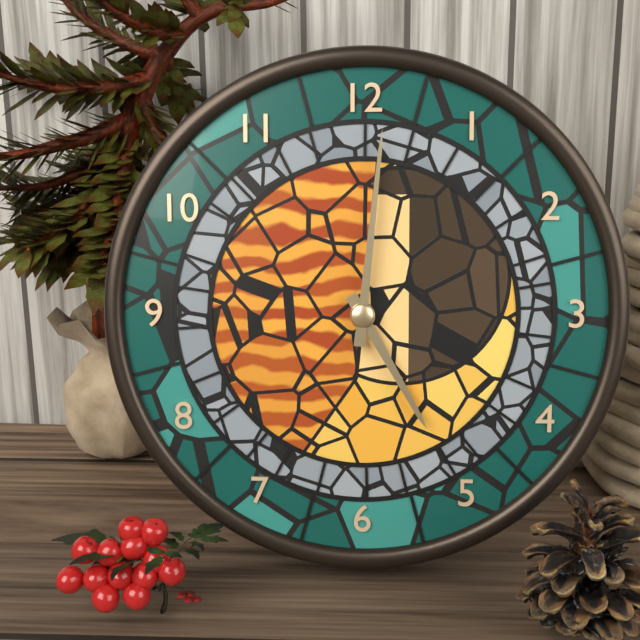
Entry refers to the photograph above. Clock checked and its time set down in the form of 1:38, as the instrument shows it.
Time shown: 5:01
